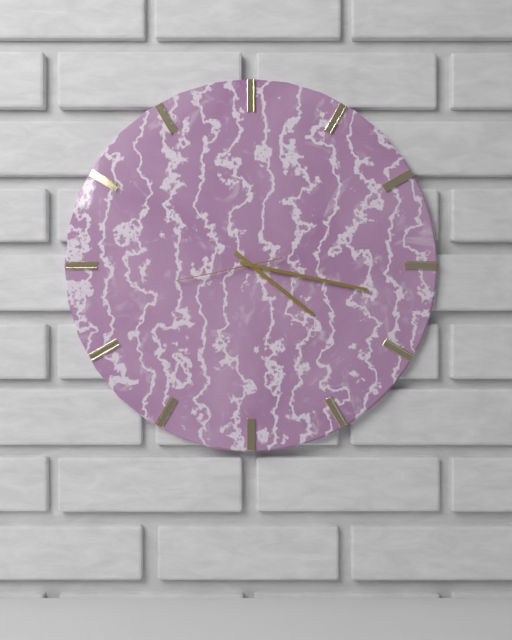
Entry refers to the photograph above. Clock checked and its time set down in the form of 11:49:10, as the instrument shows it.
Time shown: 4:17:43
